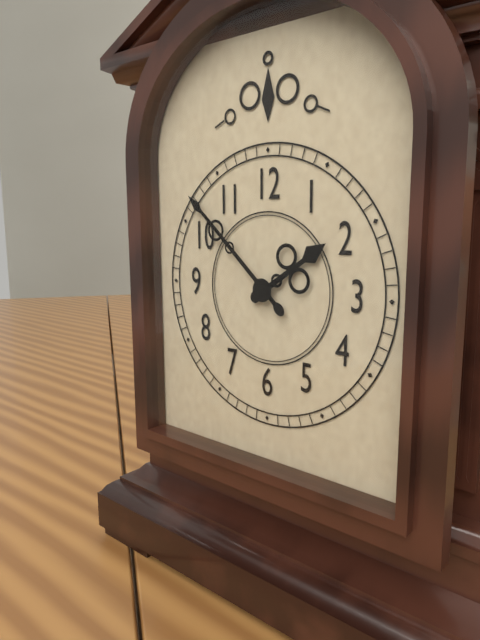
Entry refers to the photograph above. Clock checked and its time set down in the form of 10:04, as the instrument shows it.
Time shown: 1:52
